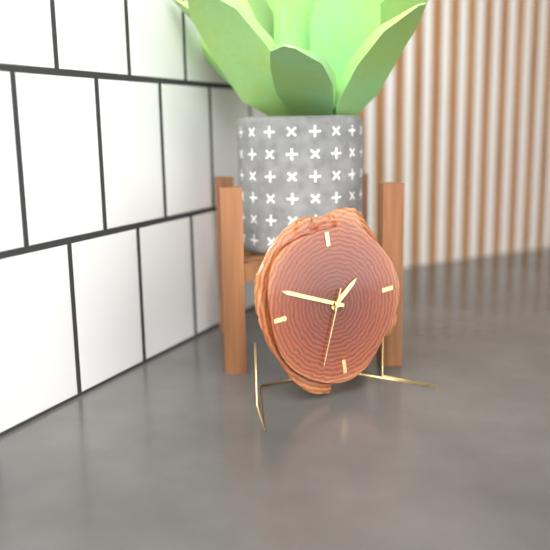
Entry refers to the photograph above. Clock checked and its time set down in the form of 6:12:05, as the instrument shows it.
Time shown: 1:49:34
